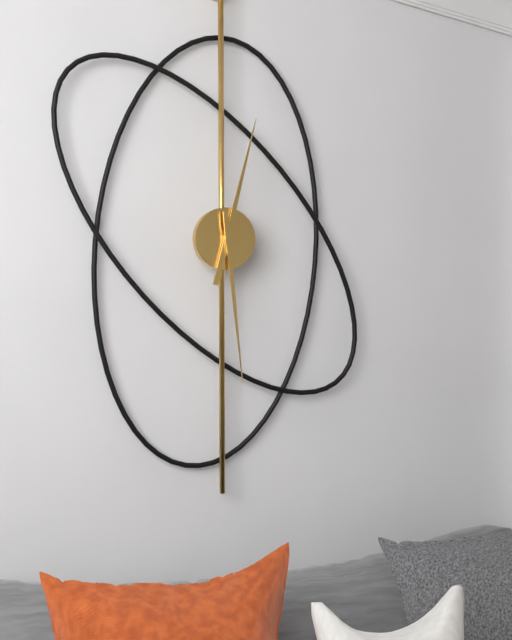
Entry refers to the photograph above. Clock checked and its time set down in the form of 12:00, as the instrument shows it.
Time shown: 12:29
